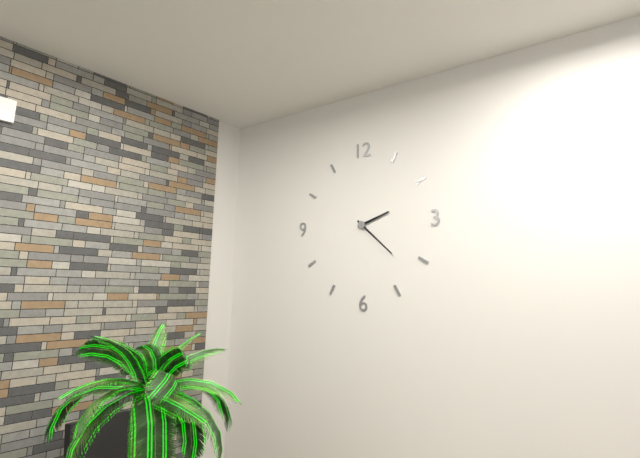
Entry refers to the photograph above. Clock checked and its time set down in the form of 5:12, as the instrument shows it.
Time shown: 2:22
